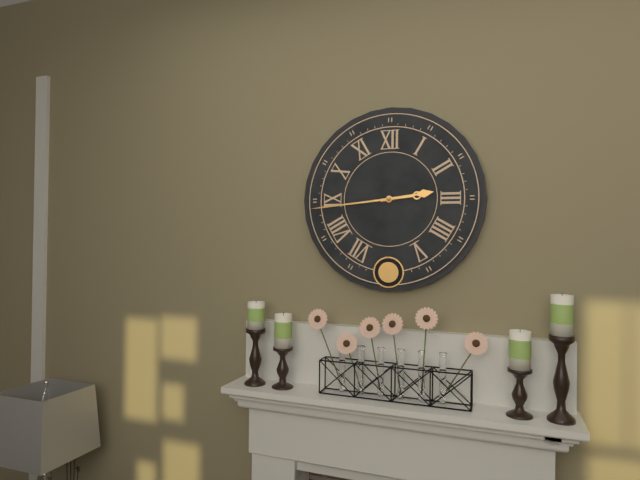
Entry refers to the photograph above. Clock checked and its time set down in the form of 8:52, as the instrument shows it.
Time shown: 2:44
